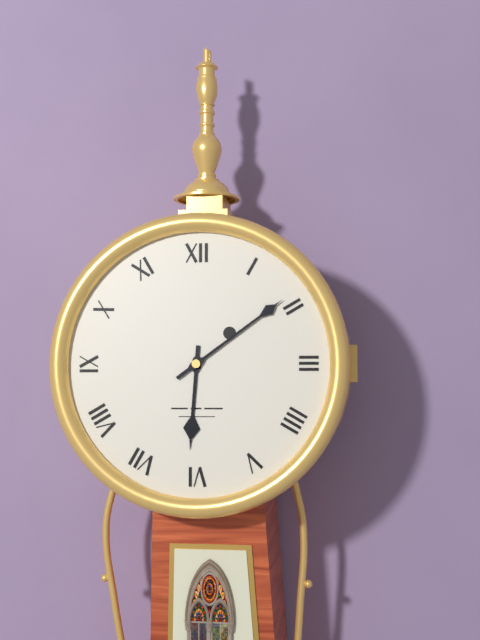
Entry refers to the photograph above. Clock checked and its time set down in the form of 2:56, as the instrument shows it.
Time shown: 6:09
